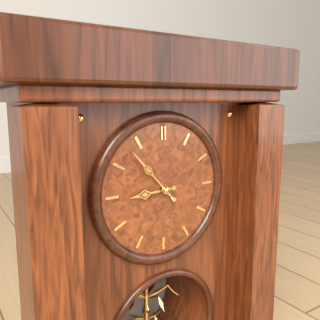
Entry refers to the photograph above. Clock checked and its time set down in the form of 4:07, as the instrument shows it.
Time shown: 8:53
